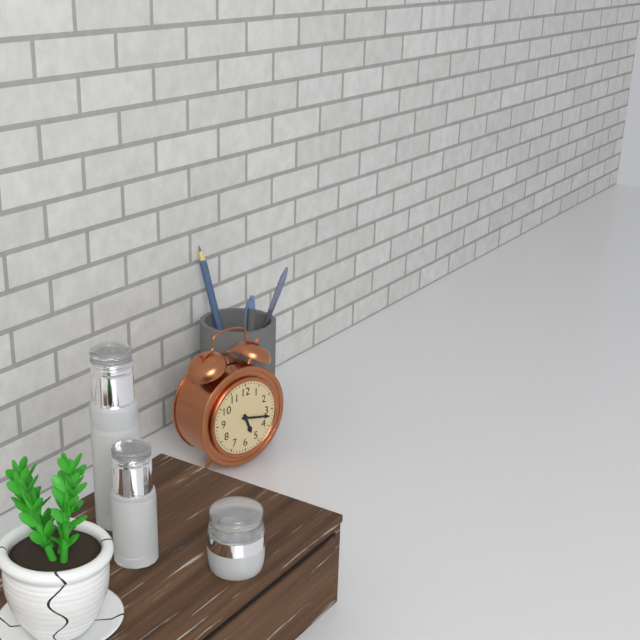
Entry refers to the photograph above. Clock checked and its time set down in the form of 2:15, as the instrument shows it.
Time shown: 5:17
